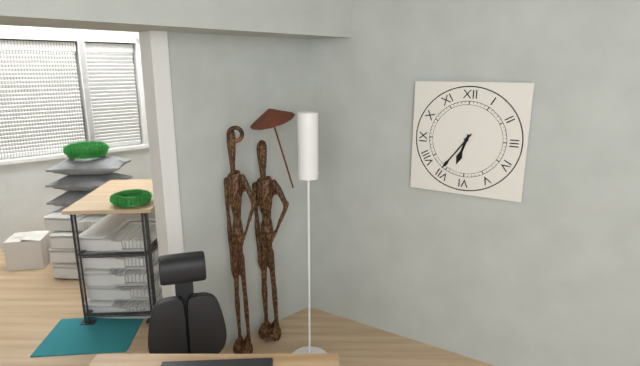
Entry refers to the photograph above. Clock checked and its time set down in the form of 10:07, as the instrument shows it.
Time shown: 6:36
